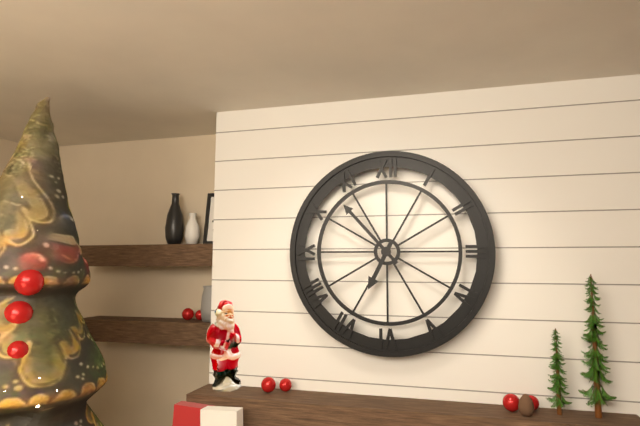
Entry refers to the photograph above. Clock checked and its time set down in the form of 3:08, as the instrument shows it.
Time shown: 6:53
